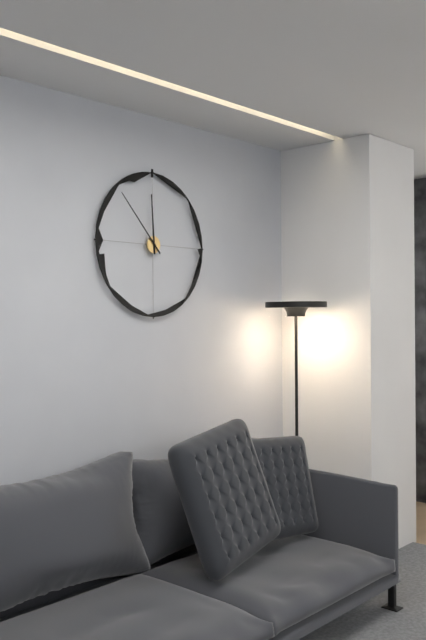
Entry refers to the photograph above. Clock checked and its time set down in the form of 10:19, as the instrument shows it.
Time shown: 11:53
